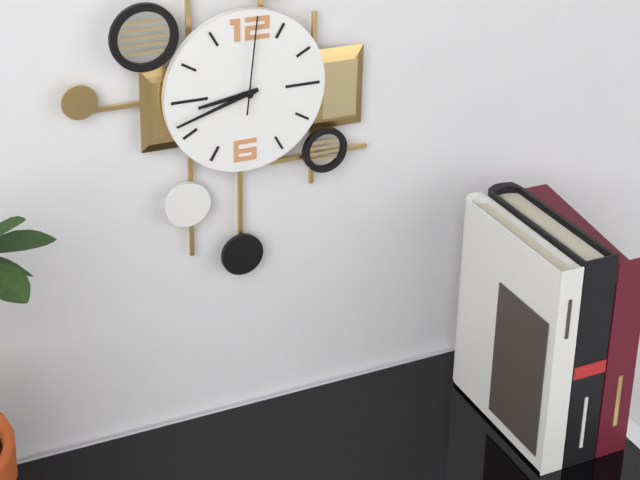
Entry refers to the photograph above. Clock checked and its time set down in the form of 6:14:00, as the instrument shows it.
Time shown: 8:42:01
